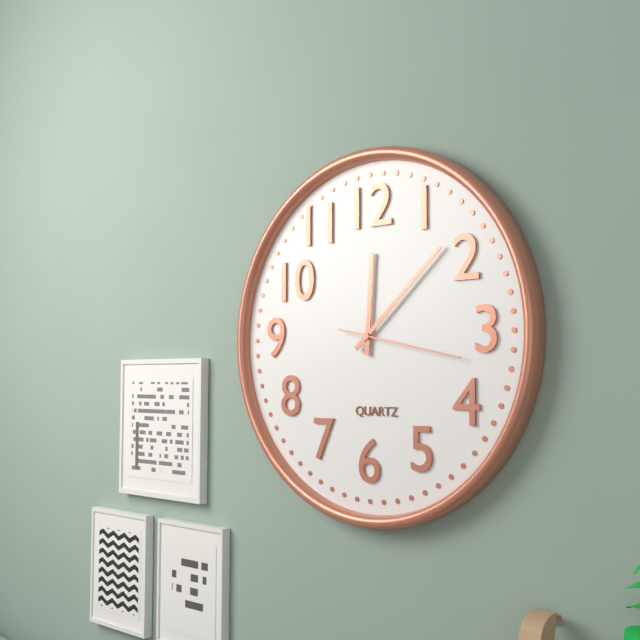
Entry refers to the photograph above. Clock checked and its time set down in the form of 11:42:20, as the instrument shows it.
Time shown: 12:08:17
